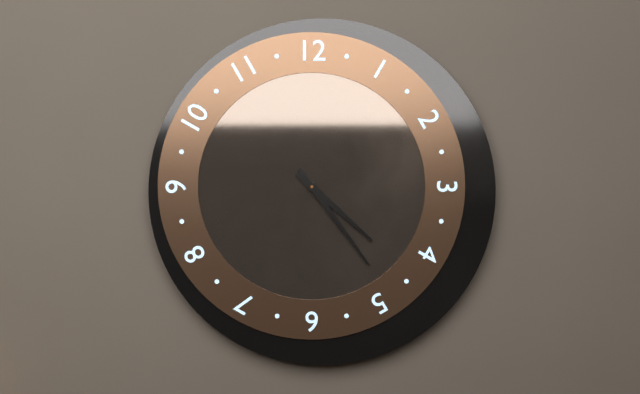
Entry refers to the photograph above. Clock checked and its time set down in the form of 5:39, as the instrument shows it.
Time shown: 4:24
